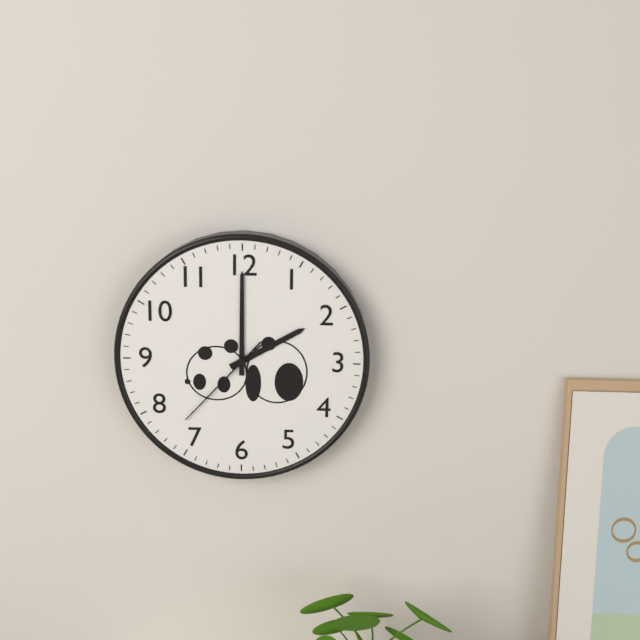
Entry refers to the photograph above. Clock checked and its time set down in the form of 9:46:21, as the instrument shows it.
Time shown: 2:00:37
